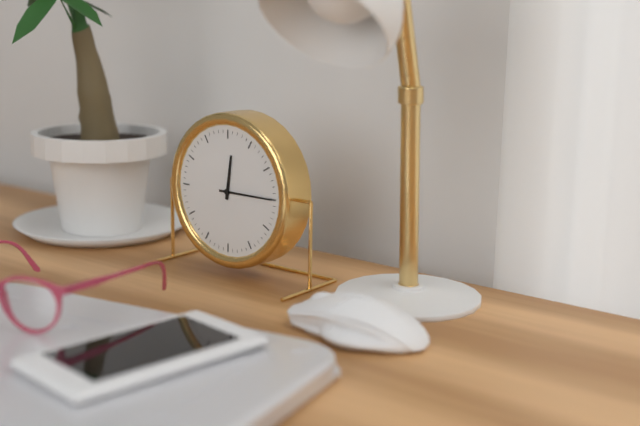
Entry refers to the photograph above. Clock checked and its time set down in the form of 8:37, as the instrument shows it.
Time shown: 12:15
